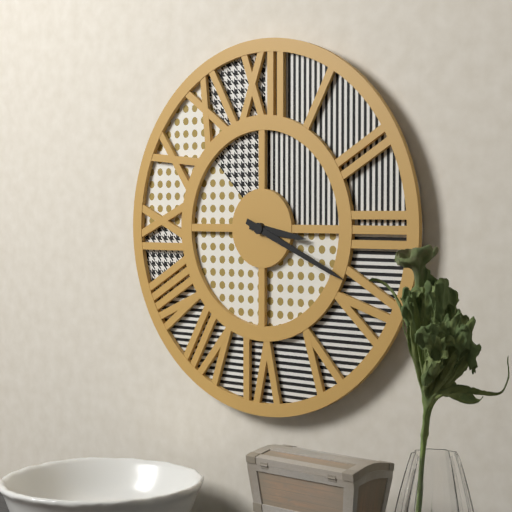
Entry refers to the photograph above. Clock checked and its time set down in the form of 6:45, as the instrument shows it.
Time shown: 3:19
